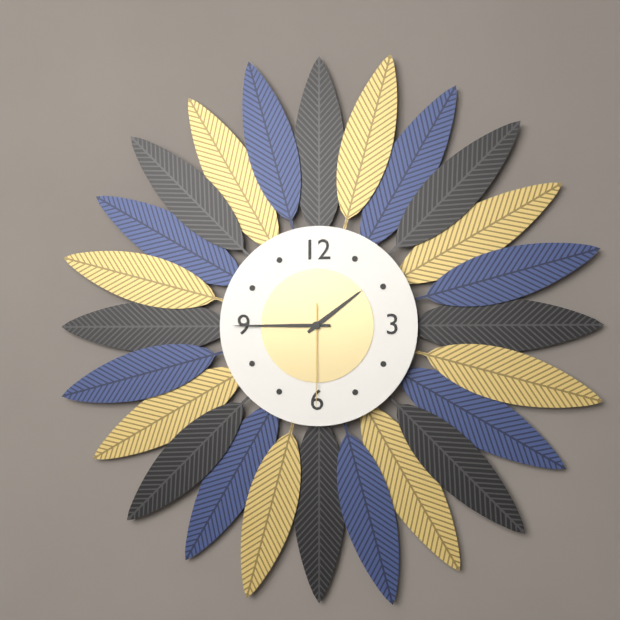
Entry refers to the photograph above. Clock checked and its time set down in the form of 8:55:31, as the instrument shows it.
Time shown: 1:45:30
